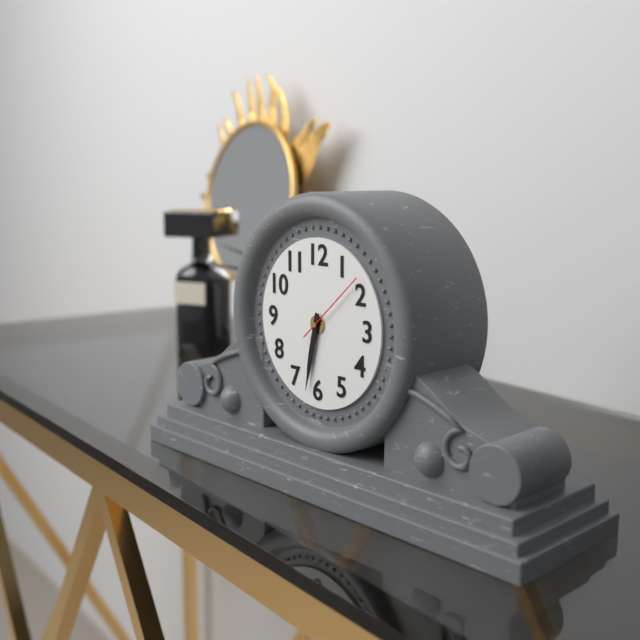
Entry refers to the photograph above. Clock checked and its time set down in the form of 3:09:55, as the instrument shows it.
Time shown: 6:32:08
